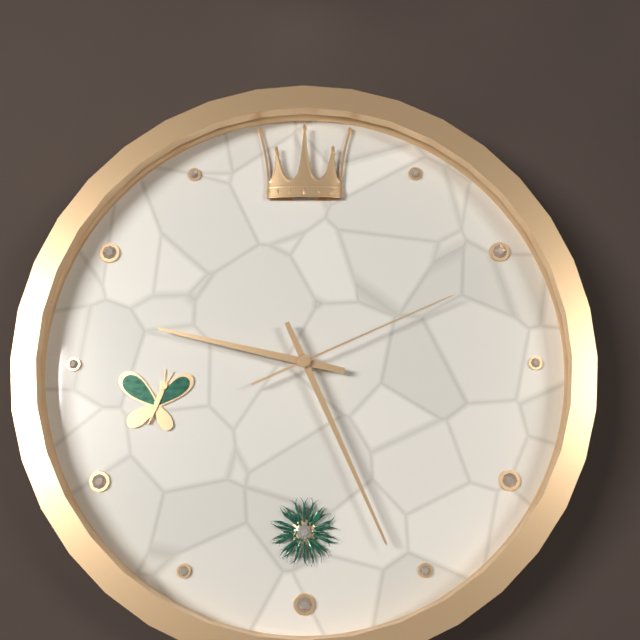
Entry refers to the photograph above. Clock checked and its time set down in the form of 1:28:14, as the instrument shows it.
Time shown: 9:26:11
